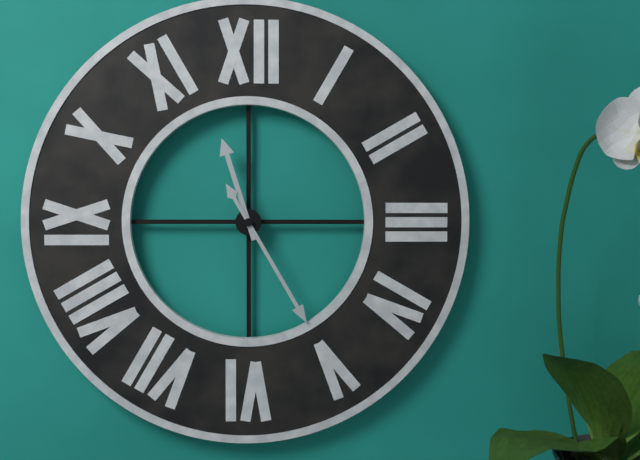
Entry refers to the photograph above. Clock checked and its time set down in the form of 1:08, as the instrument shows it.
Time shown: 11:25
